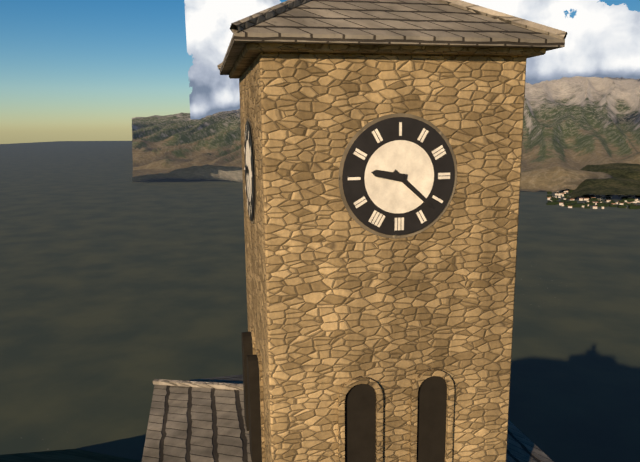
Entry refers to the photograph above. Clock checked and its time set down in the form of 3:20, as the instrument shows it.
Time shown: 9:22
